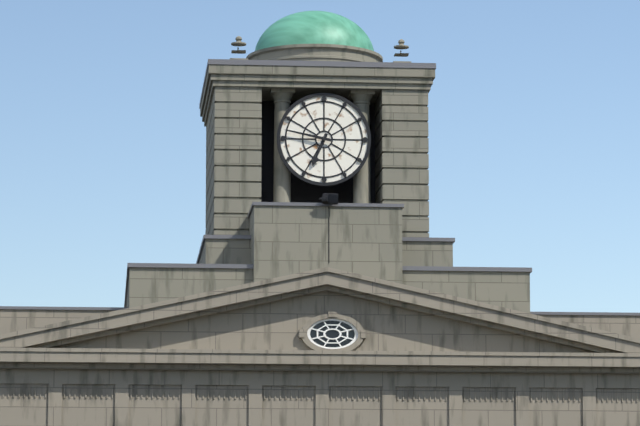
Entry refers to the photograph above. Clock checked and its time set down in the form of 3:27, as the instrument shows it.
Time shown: 6:47
